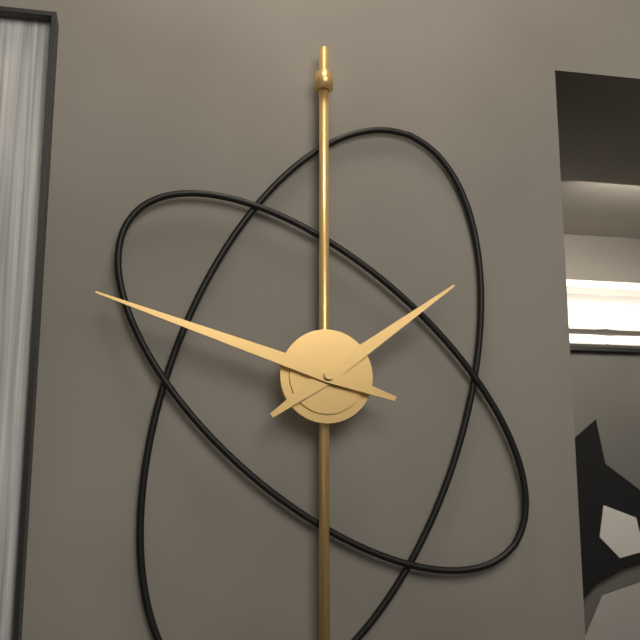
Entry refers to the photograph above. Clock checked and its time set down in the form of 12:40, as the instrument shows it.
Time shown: 1:48
